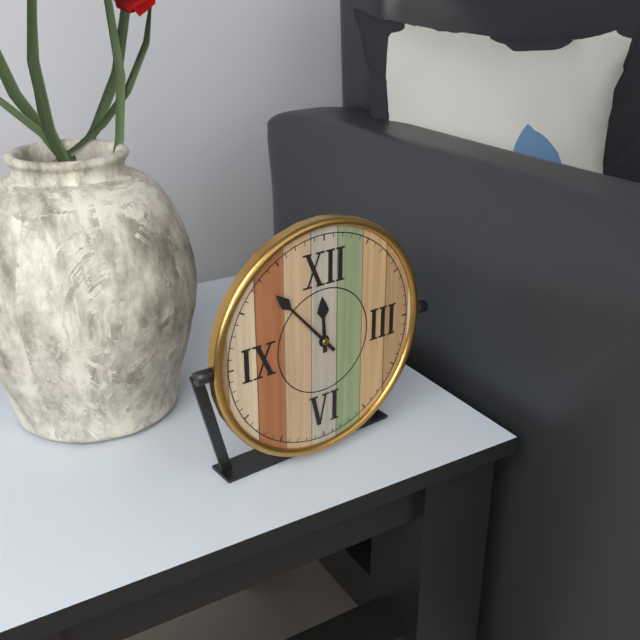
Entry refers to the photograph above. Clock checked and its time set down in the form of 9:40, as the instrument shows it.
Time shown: 11:53
